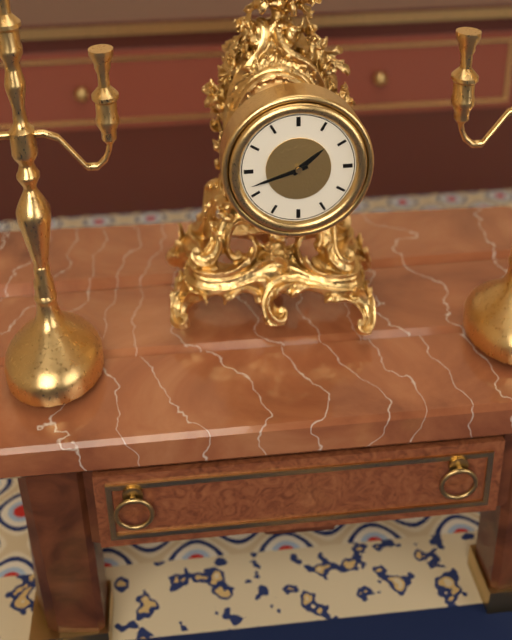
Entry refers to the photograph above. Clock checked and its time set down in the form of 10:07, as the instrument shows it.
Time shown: 1:42
